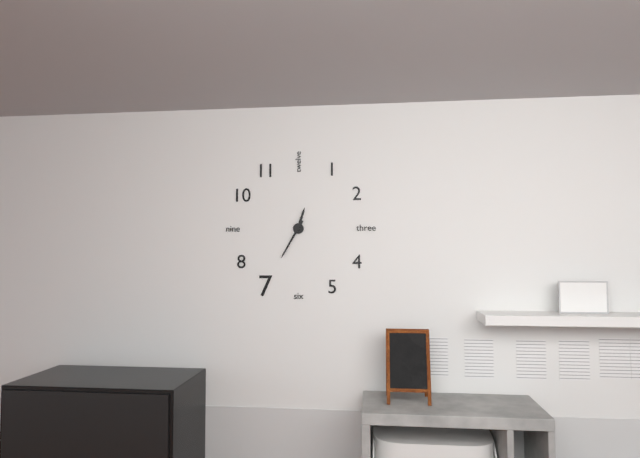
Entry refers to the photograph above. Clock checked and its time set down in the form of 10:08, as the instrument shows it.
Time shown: 12:35
